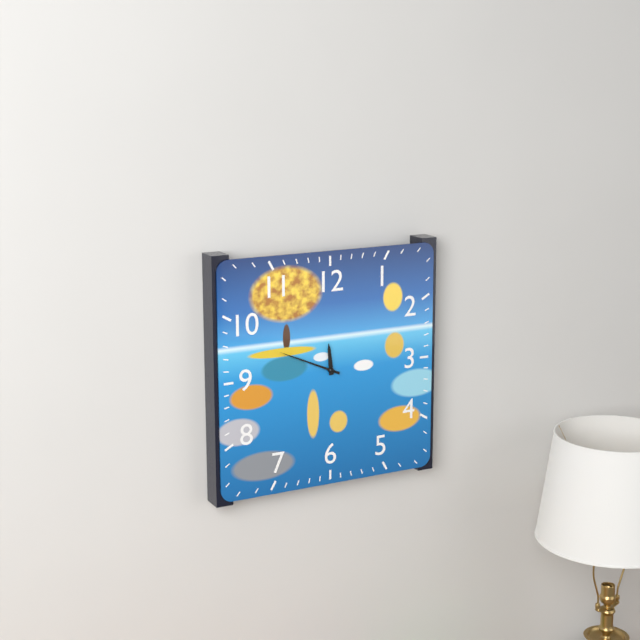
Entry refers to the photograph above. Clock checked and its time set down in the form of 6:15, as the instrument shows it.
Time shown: 11:49
